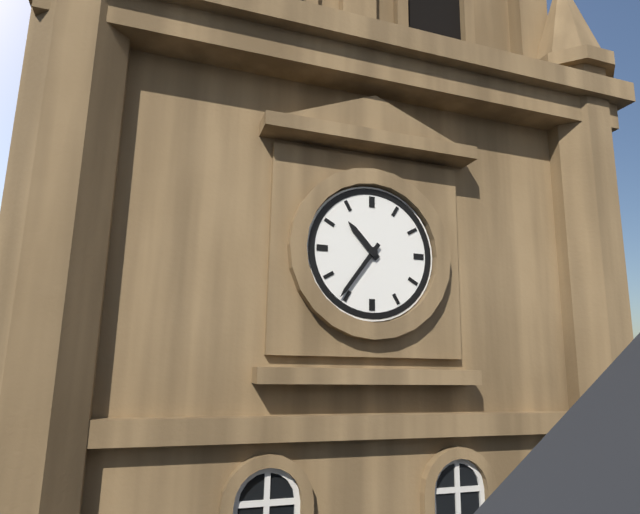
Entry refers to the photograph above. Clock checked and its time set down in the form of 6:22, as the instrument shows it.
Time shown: 10:36
